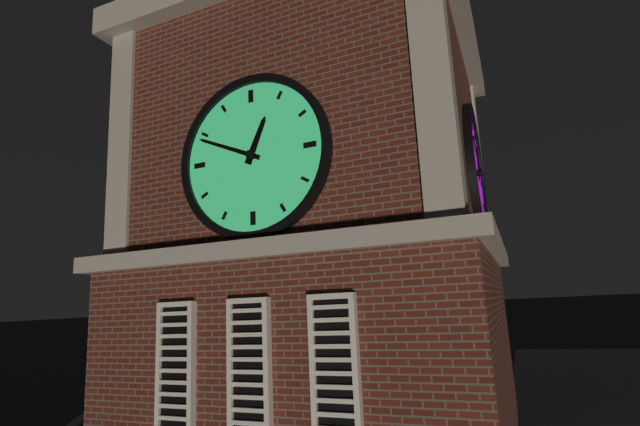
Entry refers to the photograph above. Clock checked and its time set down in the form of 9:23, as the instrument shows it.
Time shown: 12:49
